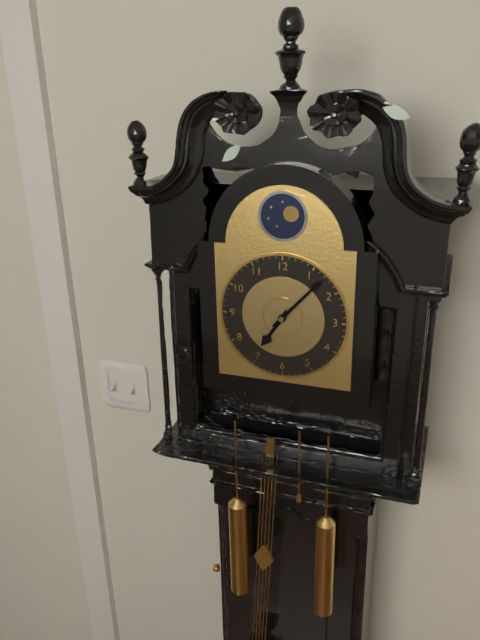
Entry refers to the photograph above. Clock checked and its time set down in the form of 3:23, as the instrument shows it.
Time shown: 7:07
